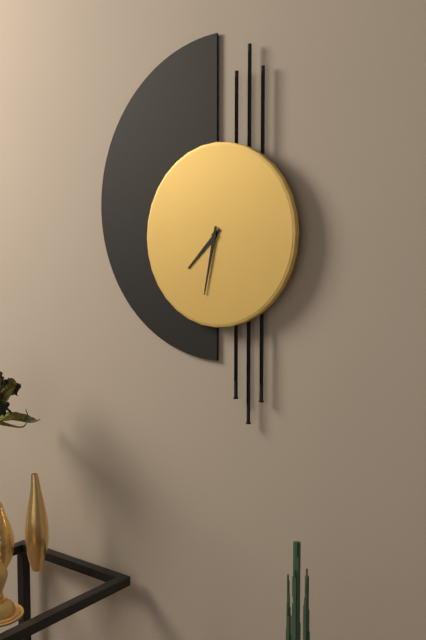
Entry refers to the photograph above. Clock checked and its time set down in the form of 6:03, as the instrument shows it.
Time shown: 7:32
